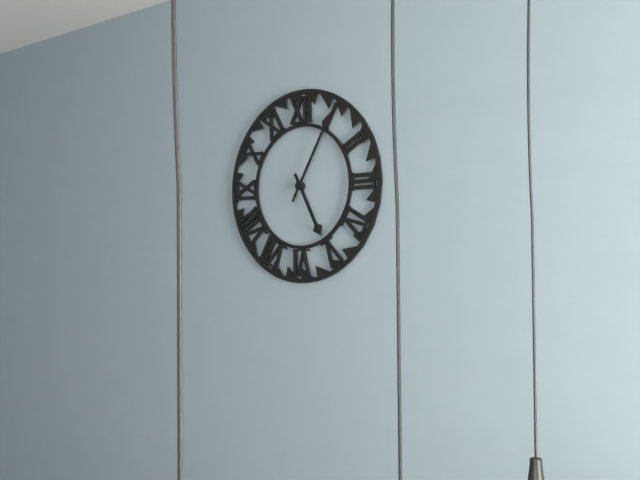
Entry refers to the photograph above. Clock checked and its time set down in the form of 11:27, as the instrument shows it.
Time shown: 5:05
